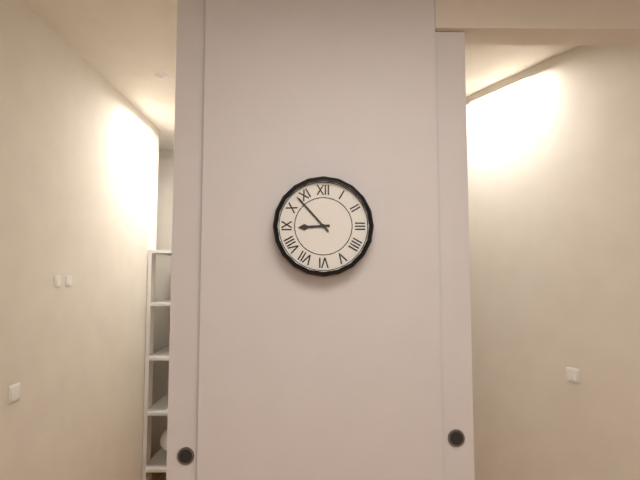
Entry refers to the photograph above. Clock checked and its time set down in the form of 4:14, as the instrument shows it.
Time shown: 8:53
